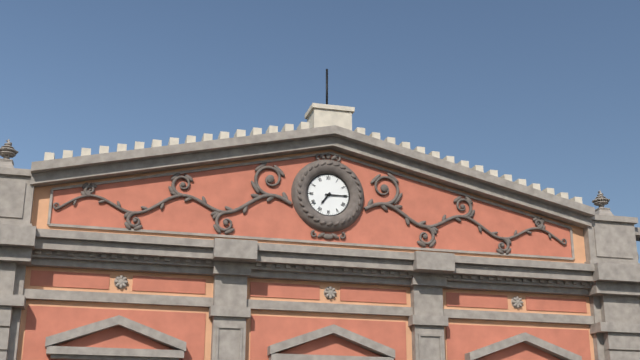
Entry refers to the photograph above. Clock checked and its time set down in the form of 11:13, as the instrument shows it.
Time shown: 7:15
